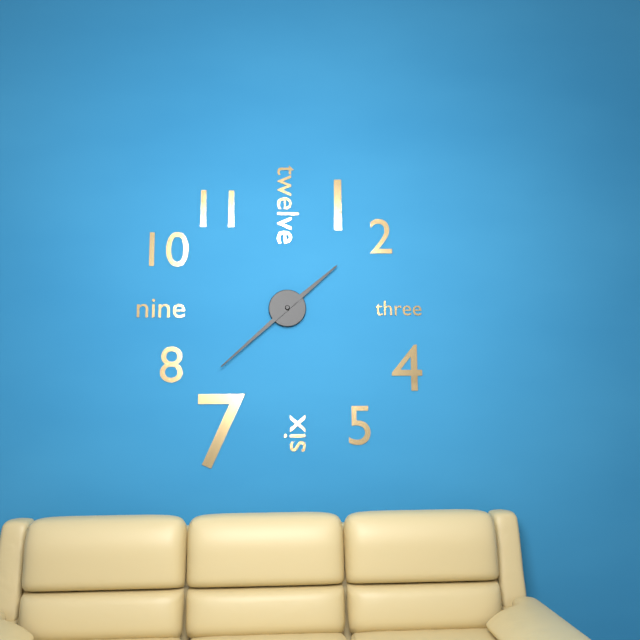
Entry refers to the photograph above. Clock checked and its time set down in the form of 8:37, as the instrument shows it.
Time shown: 1:38
